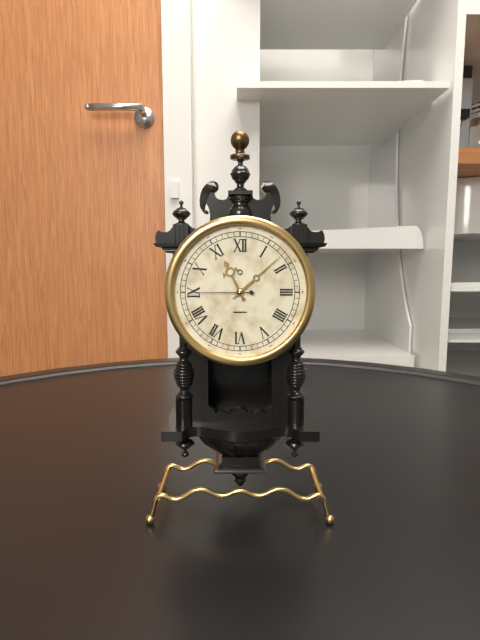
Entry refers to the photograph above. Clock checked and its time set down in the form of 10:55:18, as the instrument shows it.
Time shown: 11:08:45
